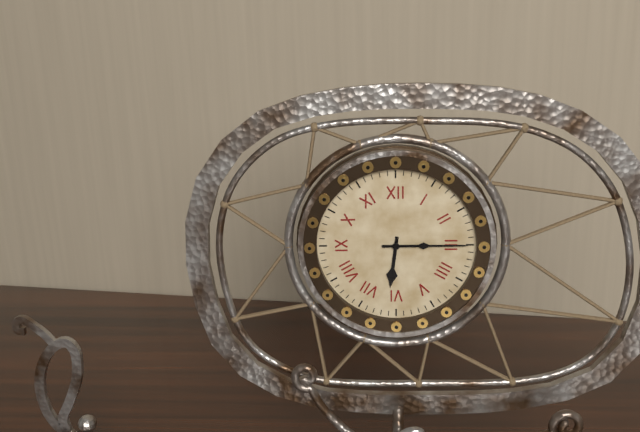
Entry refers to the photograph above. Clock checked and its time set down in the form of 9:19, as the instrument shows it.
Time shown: 6:15
